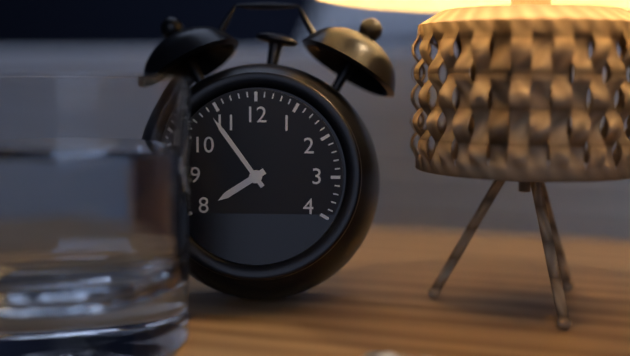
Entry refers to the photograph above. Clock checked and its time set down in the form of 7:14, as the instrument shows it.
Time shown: 7:54
